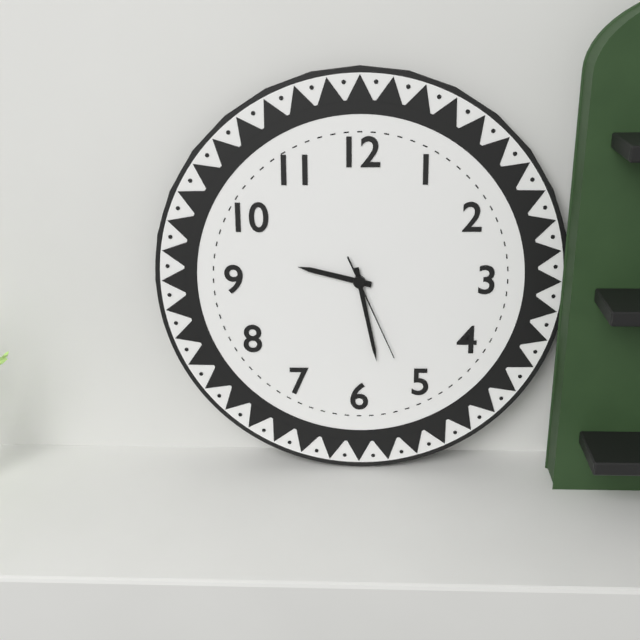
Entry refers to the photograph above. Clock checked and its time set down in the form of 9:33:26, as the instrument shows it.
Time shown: 9:28:26
